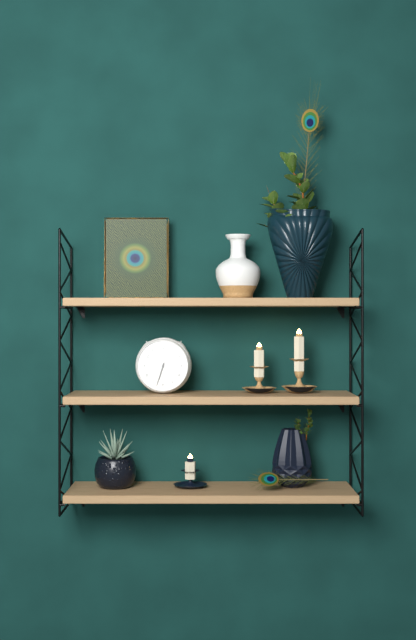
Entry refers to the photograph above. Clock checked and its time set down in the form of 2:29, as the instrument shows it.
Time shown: 6:33
